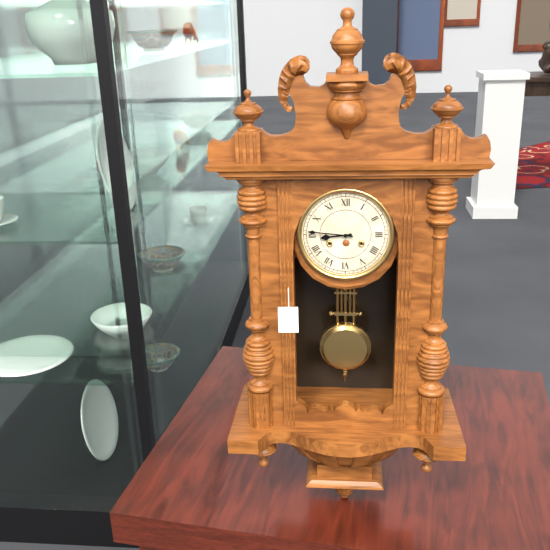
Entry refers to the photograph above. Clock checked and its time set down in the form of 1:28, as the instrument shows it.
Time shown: 8:46
